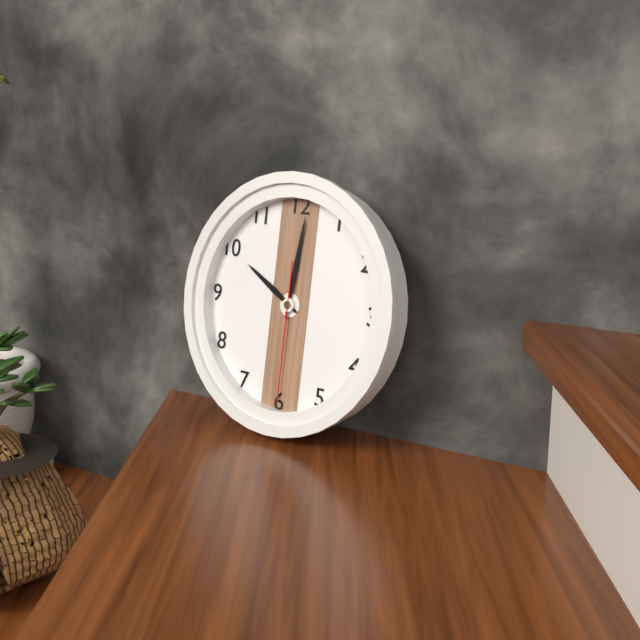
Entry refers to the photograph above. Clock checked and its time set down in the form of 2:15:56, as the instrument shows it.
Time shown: 10:01:30
